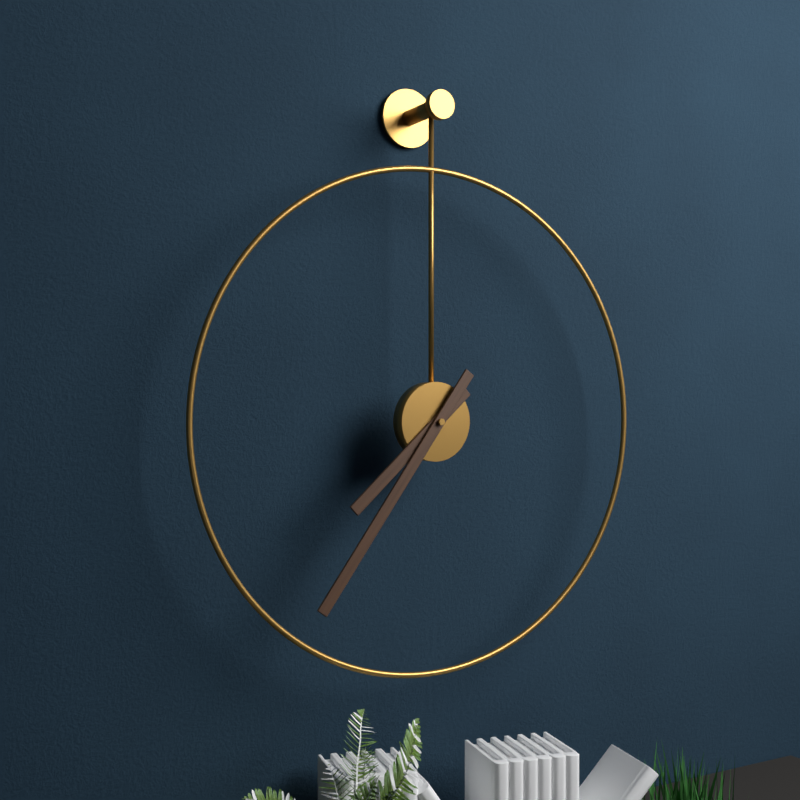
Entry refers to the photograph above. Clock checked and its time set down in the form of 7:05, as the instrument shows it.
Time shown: 7:36
